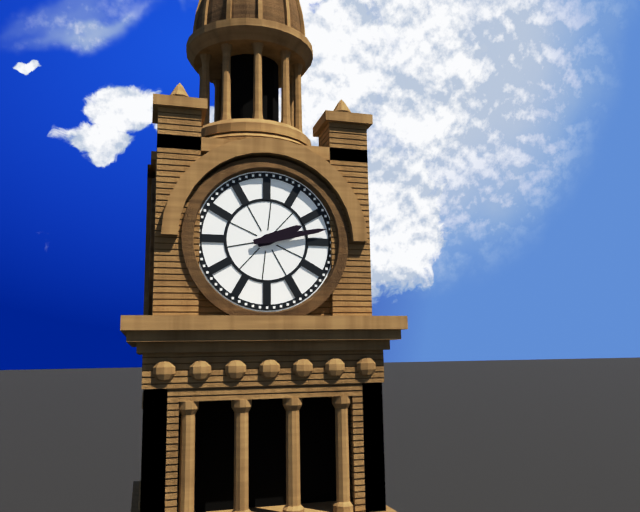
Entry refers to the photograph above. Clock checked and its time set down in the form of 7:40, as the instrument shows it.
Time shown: 2:13
